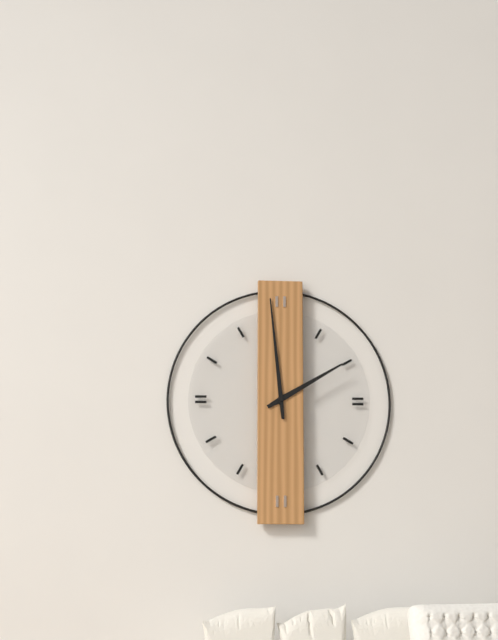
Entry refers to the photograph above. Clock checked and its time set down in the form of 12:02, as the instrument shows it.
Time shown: 1:59
